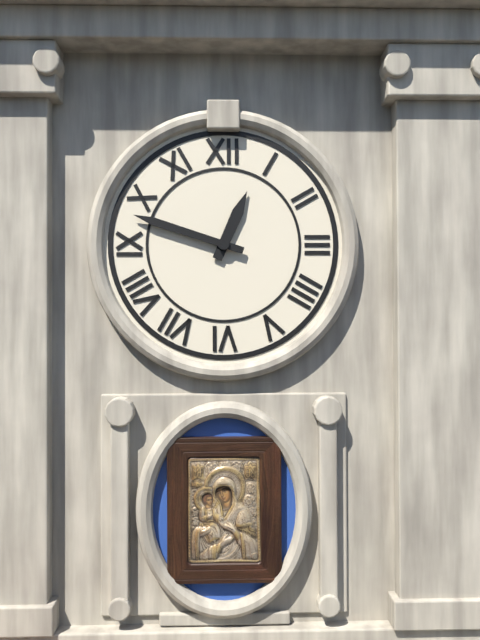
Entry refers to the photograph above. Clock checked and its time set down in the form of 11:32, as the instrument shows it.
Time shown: 12:48
